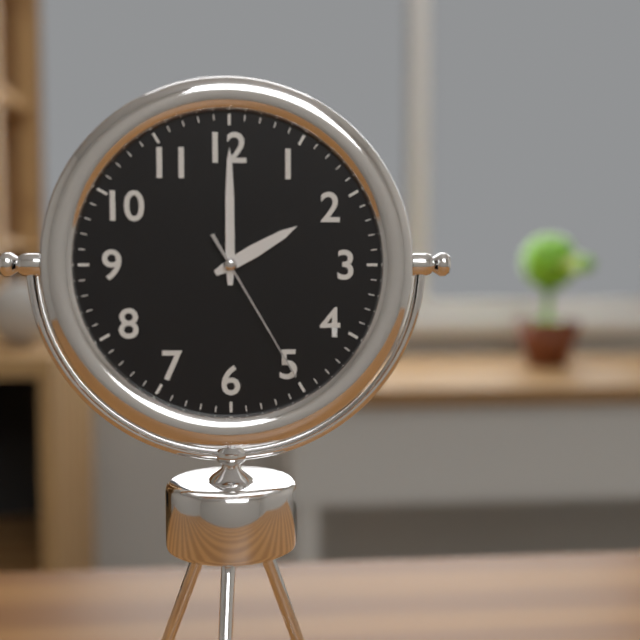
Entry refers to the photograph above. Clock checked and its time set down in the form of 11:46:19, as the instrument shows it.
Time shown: 2:00:25
